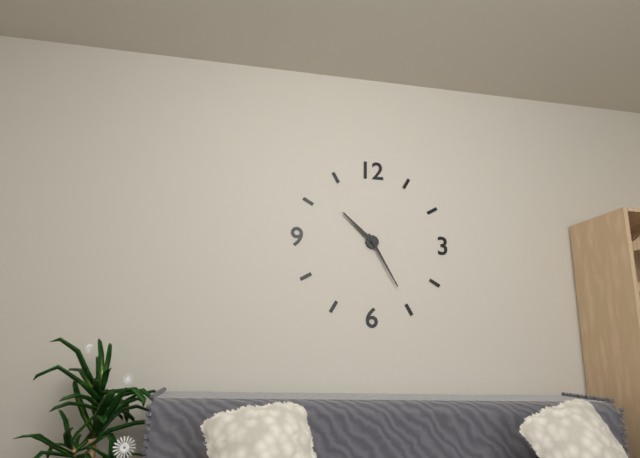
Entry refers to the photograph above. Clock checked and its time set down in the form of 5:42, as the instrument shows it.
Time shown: 10:25
